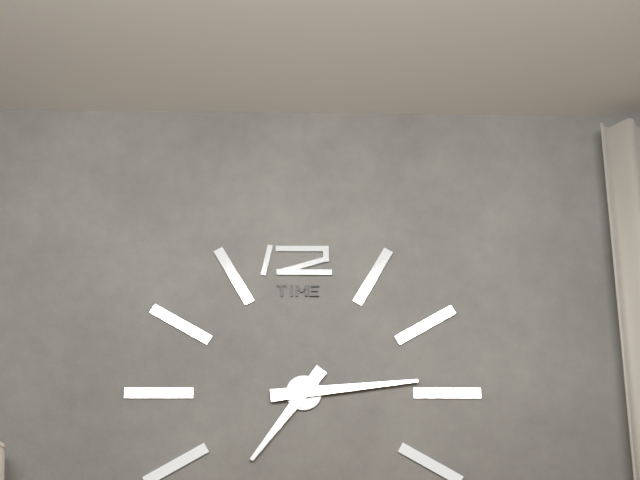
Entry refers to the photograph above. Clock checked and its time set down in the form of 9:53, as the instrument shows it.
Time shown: 7:14
